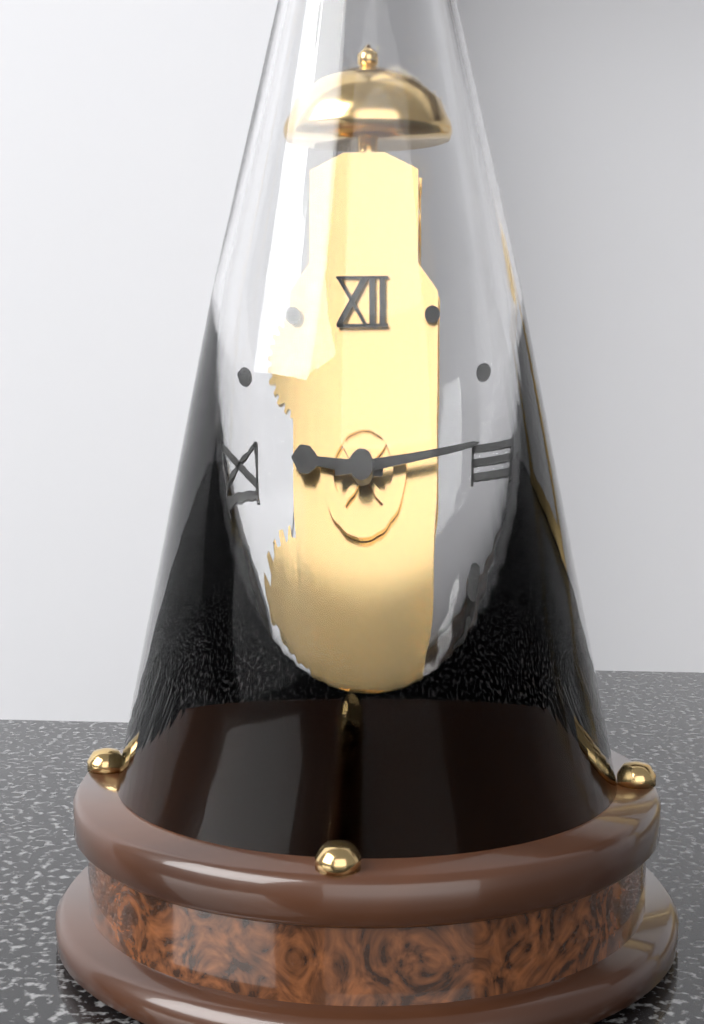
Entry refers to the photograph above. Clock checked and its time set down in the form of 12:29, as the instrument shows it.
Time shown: 9:14
